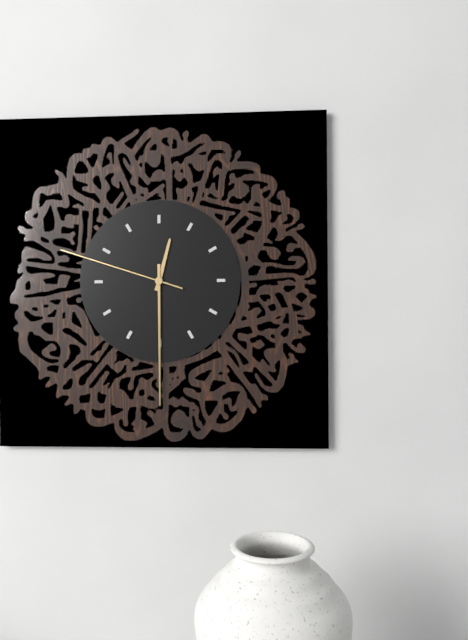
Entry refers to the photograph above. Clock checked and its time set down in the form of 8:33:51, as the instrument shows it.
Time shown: 12:30:48
